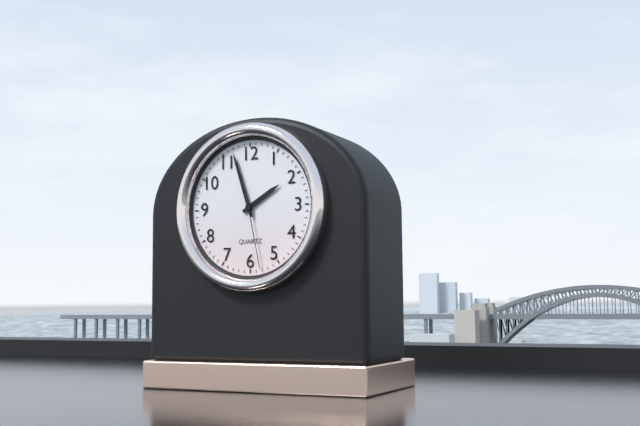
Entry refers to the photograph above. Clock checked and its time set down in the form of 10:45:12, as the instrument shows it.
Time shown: 1:57:28
